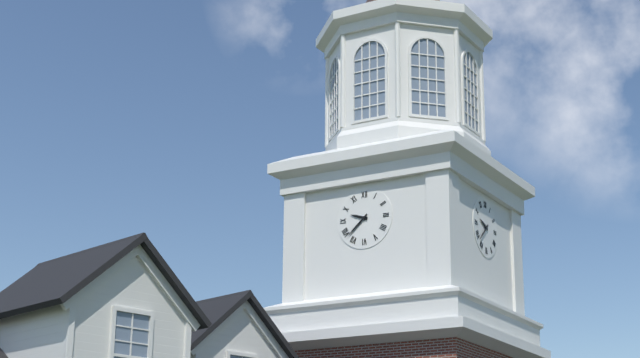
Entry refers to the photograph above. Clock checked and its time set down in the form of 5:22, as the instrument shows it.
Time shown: 9:38
